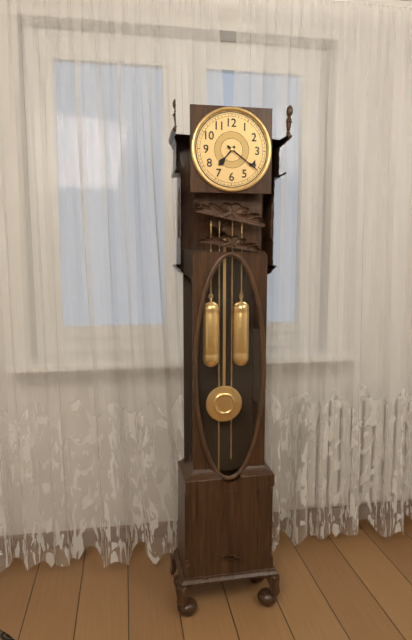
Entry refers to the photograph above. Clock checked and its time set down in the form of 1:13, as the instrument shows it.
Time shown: 7:21
